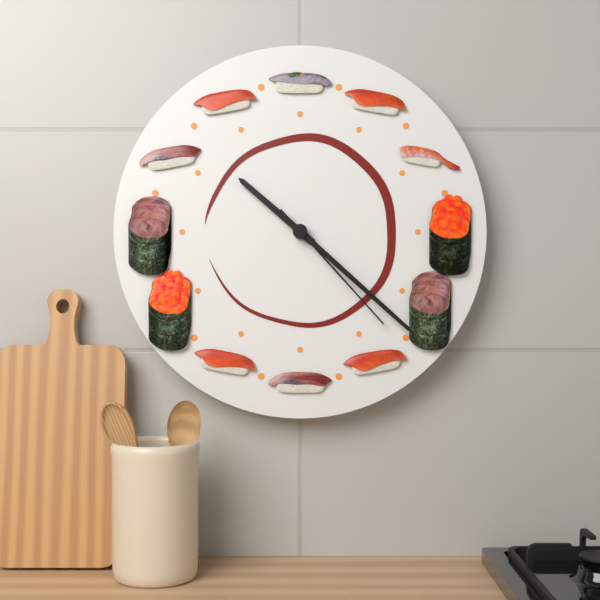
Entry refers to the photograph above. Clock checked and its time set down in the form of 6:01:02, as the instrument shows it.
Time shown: 10:22:23
